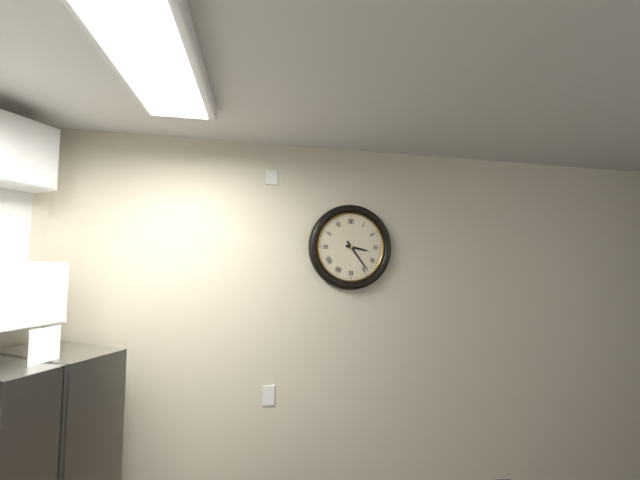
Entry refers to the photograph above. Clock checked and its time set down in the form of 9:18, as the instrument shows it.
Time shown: 3:24
